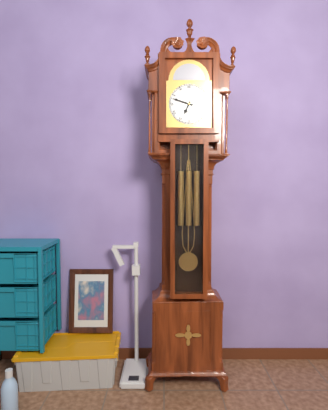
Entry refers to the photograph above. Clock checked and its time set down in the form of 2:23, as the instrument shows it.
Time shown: 6:48
